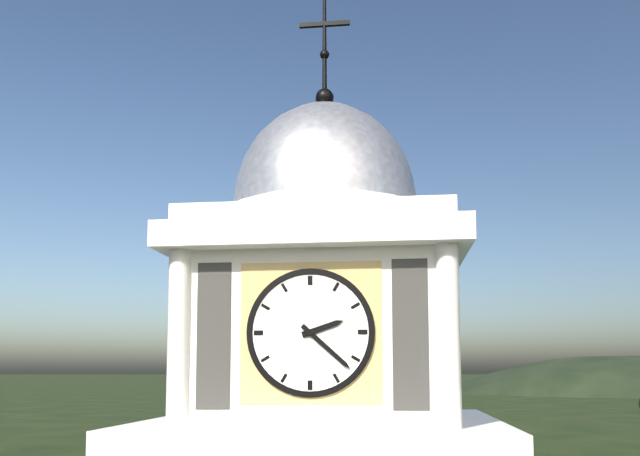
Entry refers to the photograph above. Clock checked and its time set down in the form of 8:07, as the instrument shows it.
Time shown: 2:22
